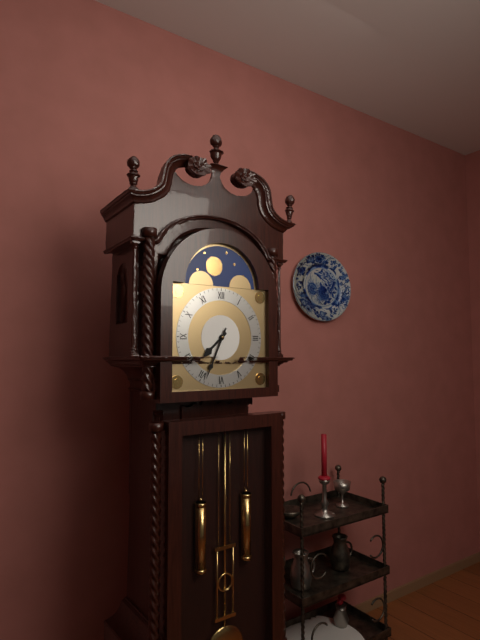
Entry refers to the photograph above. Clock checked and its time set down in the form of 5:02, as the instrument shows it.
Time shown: 7:34
